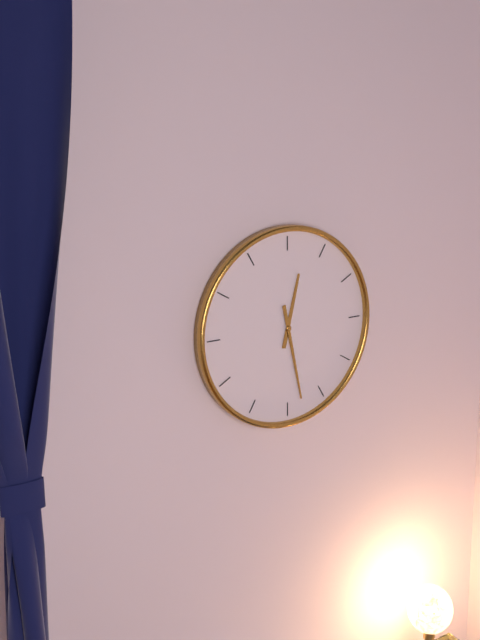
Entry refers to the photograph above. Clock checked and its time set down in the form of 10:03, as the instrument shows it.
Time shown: 12:28
